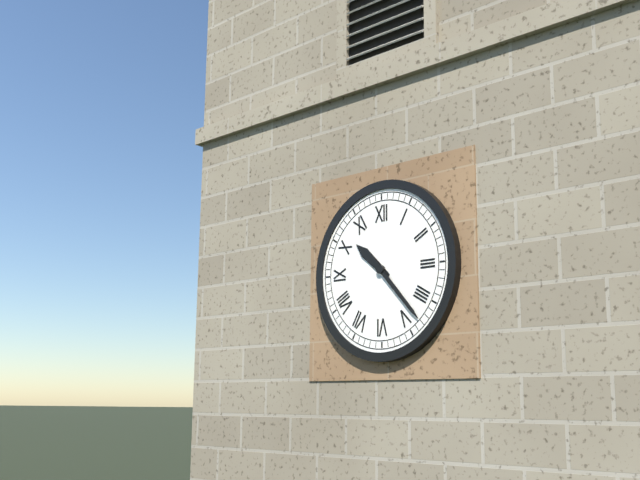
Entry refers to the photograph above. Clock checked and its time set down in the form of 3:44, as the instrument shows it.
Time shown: 10:23
